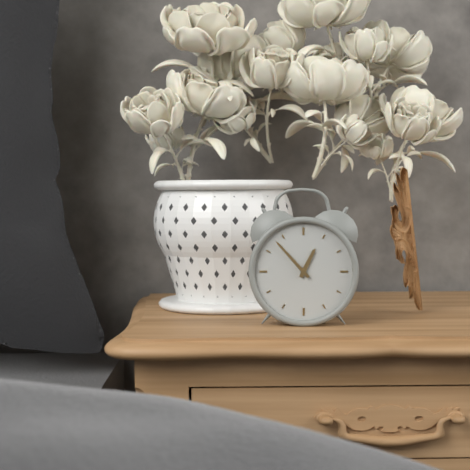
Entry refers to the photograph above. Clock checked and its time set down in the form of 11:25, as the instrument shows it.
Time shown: 12:53
